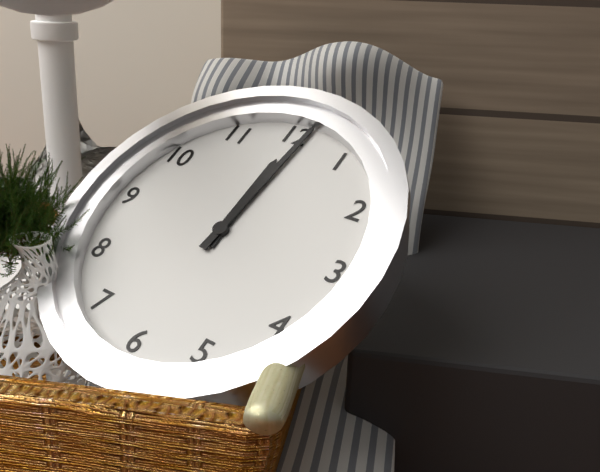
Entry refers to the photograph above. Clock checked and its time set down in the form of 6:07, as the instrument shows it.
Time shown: 12:01
